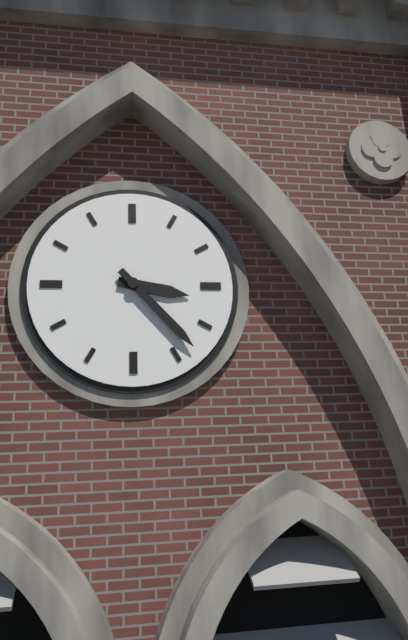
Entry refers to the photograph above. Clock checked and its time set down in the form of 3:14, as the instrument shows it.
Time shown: 3:23
